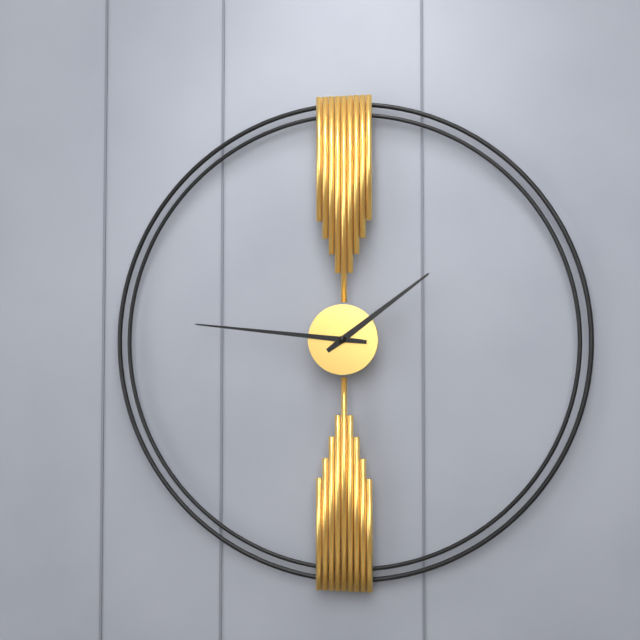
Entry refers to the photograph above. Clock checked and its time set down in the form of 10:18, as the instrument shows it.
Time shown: 1:46
